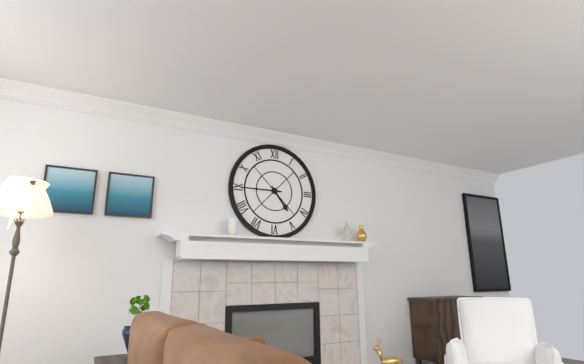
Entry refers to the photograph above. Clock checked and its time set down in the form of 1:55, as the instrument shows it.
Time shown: 4:45
